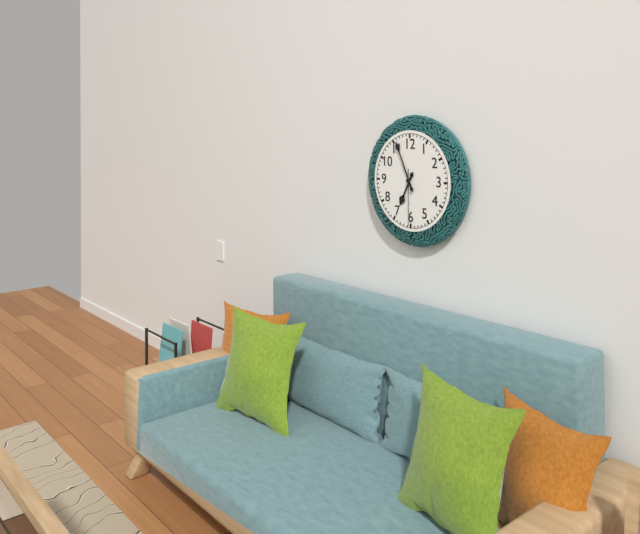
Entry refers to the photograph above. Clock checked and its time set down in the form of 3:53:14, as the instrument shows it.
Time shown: 6:56:30
